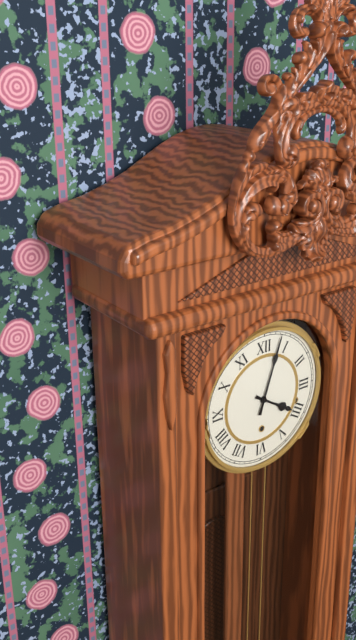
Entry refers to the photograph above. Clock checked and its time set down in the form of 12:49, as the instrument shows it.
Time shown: 4:03
